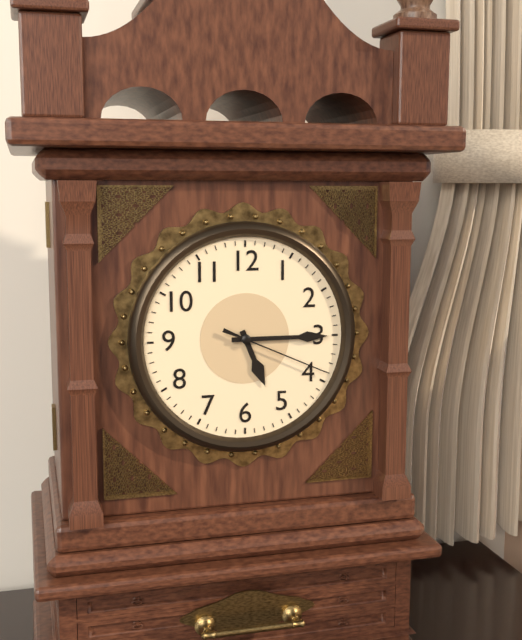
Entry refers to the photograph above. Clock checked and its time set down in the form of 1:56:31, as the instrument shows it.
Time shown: 5:15:19
